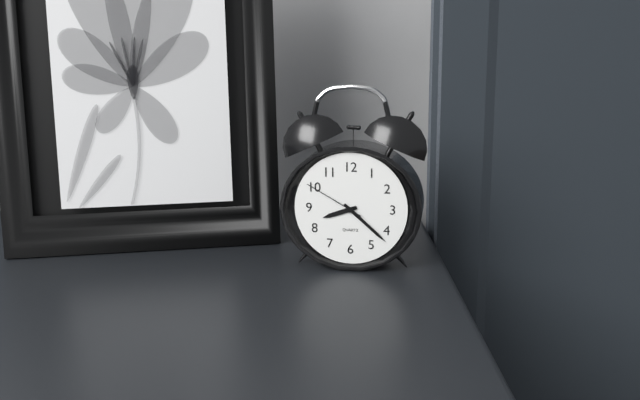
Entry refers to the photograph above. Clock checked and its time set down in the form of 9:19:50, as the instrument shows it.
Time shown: 8:22:50
